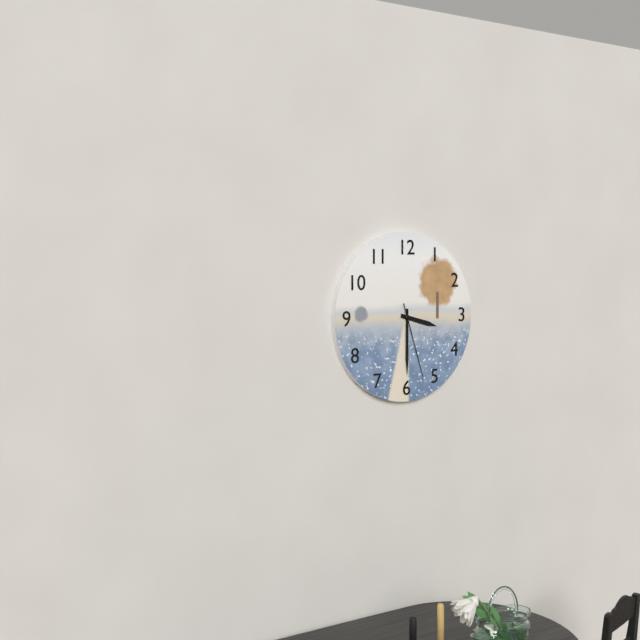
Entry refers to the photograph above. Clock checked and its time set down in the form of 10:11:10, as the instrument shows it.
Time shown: 3:30:27
